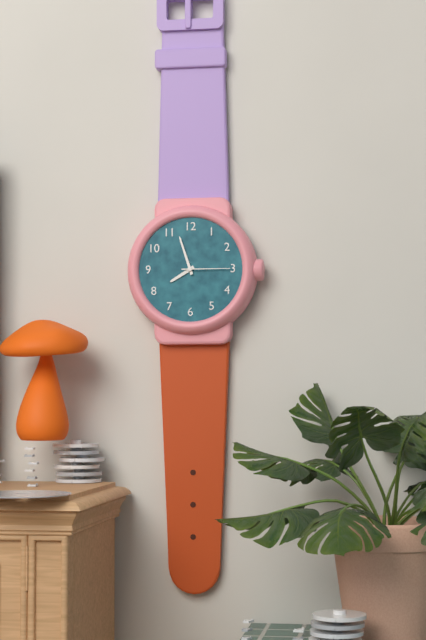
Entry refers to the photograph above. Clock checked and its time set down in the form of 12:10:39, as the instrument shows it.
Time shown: 7:57:15
